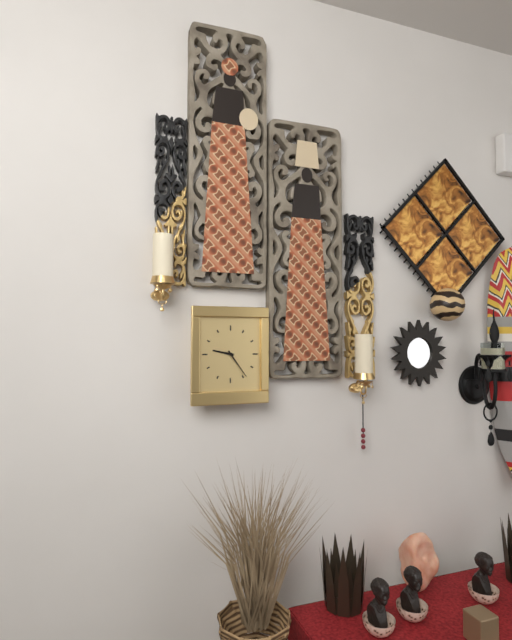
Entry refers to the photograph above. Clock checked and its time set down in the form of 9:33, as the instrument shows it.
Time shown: 9:24
